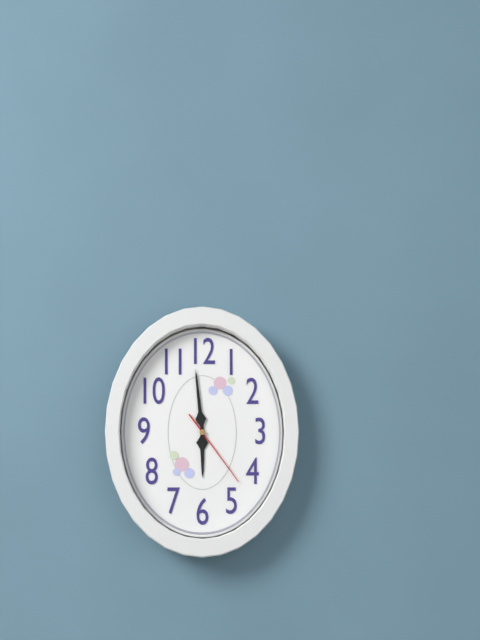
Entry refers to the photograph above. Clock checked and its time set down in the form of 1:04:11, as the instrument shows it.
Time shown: 5:59:24
